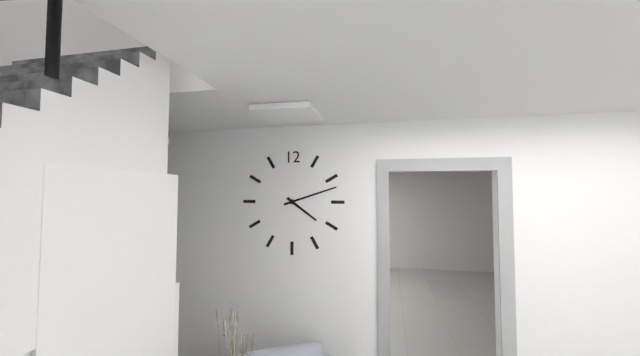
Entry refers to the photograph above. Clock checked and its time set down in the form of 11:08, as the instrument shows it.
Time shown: 4:12
